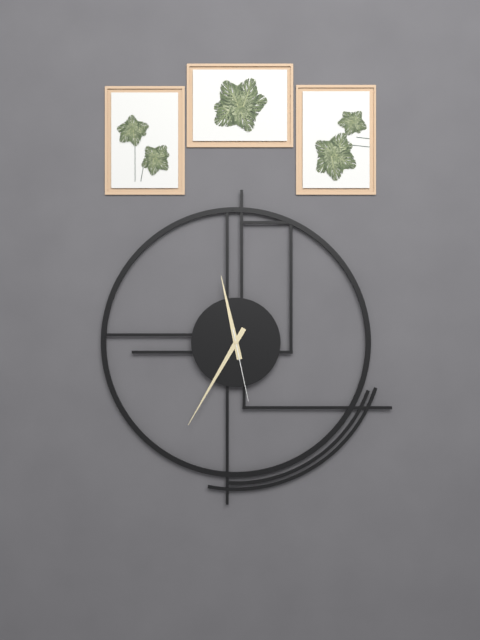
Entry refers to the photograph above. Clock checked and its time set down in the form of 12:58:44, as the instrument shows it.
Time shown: 11:35:28
